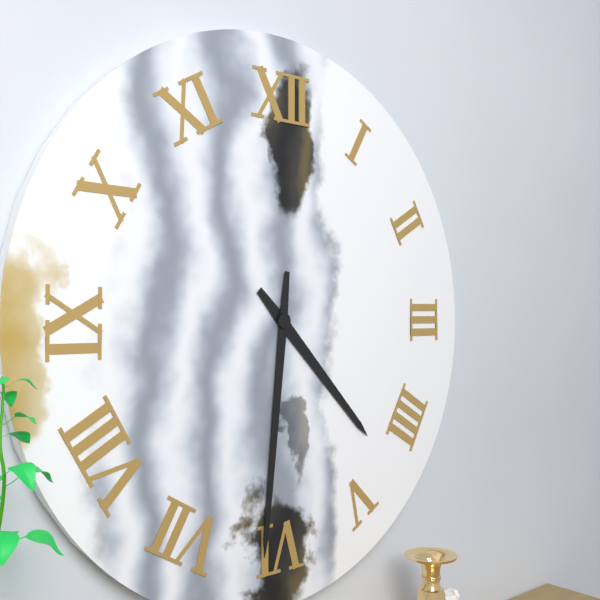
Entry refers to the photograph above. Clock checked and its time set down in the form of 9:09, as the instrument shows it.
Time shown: 4:31
